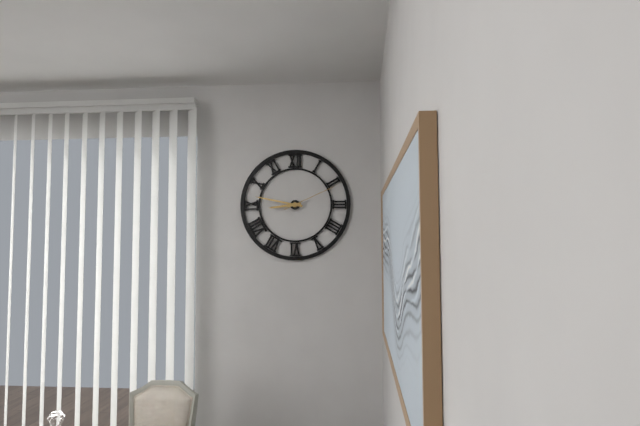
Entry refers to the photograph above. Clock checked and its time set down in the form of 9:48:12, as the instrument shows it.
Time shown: 8:47:11
